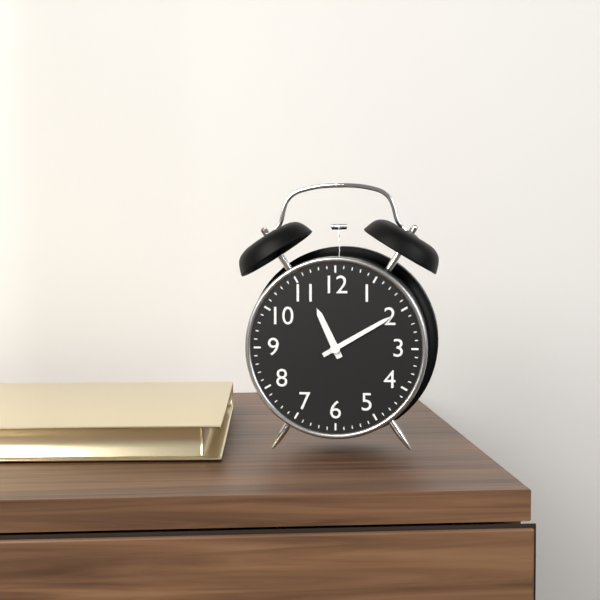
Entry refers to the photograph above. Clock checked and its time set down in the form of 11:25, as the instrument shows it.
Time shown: 11:10
